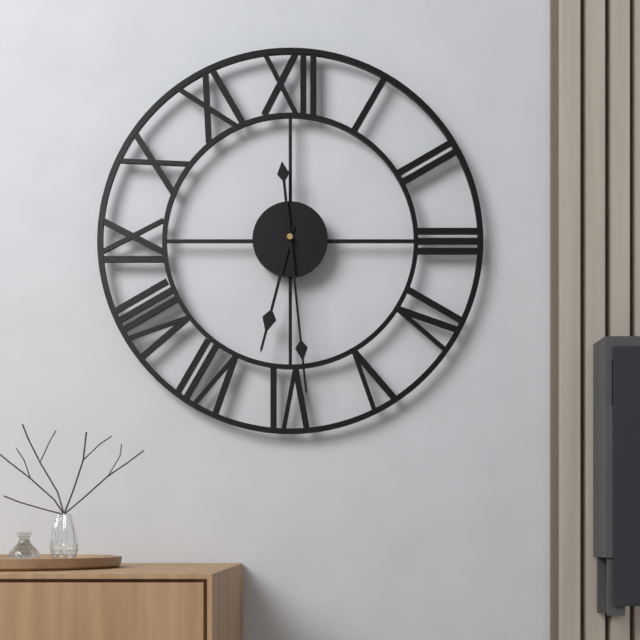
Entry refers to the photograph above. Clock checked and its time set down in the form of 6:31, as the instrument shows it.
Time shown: 6:29
